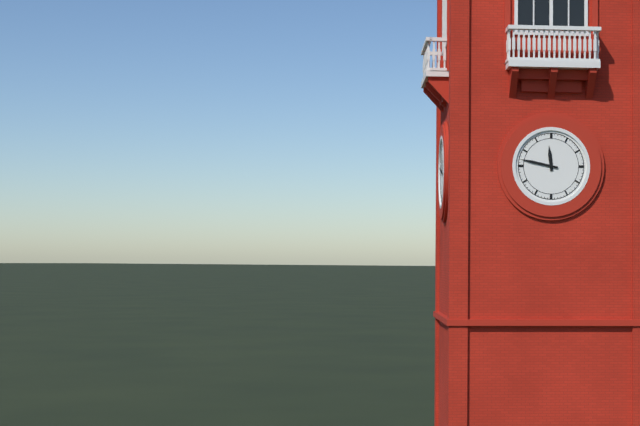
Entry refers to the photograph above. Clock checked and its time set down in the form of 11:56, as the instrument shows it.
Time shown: 11:47
